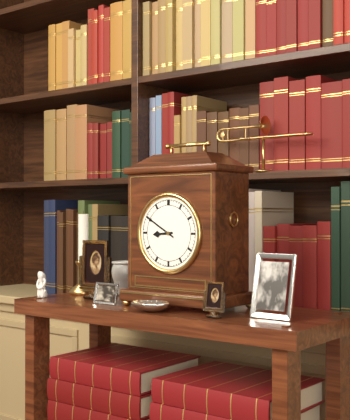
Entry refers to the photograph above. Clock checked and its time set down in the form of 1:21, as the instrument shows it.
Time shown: 8:50
